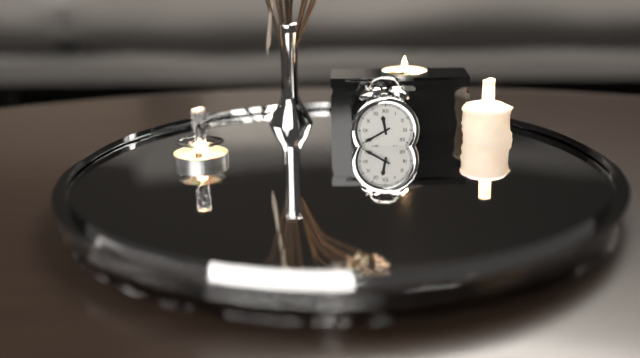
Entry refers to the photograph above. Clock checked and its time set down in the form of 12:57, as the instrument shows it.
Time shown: 11:40
